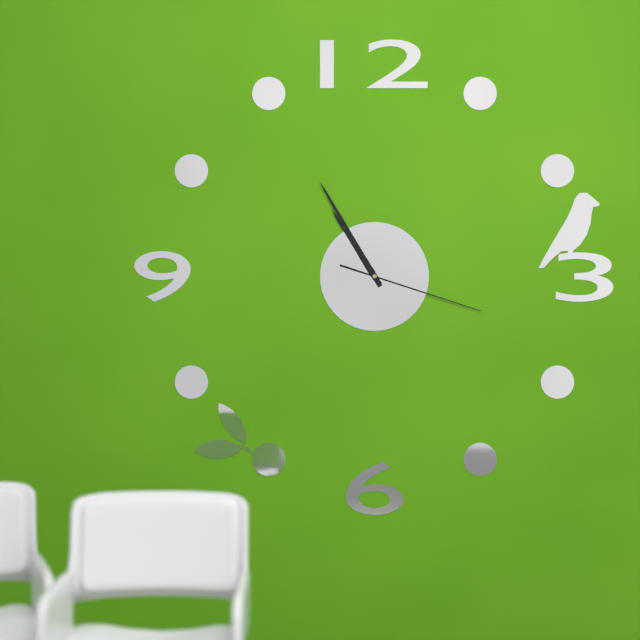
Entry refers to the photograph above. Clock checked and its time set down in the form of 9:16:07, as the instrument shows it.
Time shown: 10:55:18
